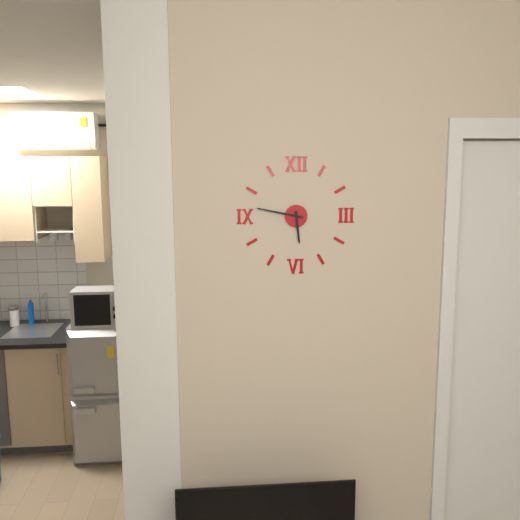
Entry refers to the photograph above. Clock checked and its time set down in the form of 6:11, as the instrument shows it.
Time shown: 5:47
